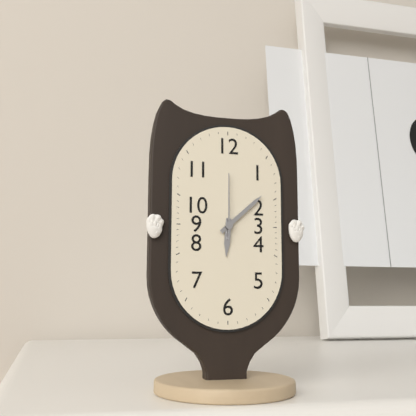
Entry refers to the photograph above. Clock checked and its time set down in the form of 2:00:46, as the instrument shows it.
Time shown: 6:08:00
